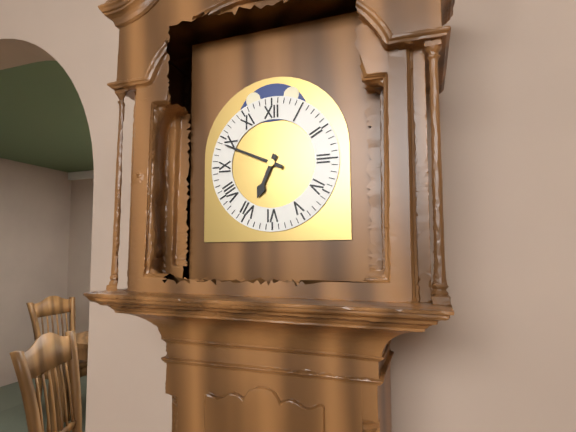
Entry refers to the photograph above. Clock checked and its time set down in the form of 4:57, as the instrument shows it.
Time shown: 6:49
